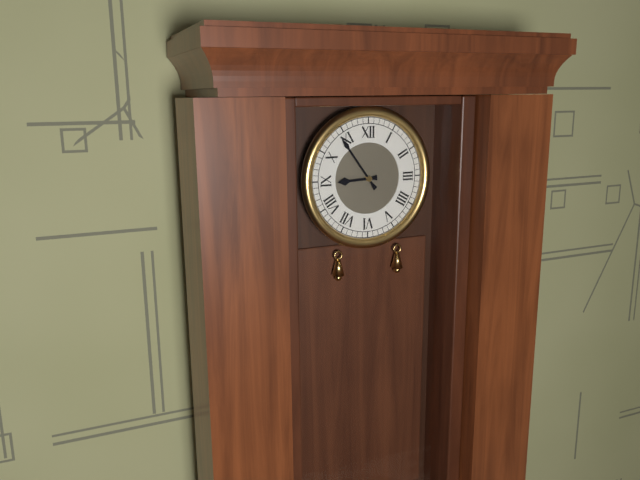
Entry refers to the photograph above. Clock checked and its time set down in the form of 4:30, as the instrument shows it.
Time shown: 8:54
